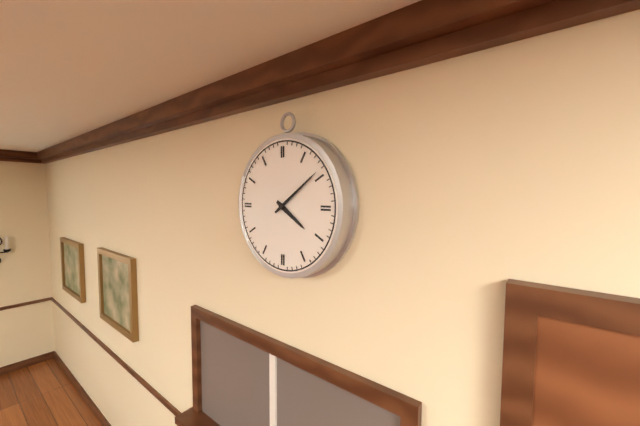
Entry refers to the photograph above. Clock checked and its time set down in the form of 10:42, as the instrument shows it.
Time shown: 4:09
